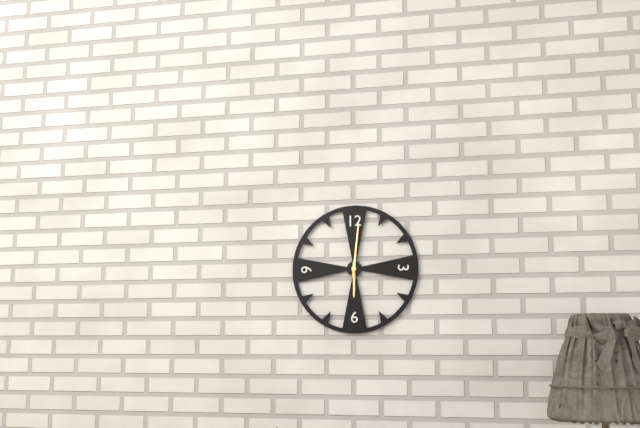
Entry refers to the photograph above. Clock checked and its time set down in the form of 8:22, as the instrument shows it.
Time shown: 6:01
